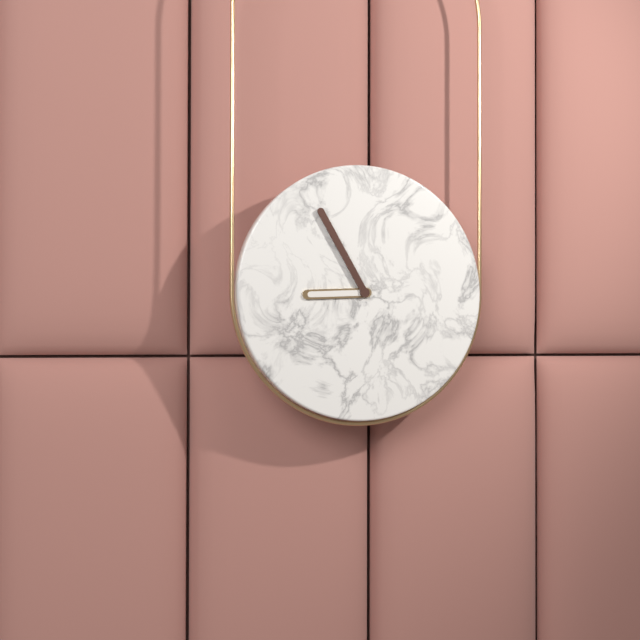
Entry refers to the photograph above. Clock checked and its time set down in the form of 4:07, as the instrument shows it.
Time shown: 8:55
